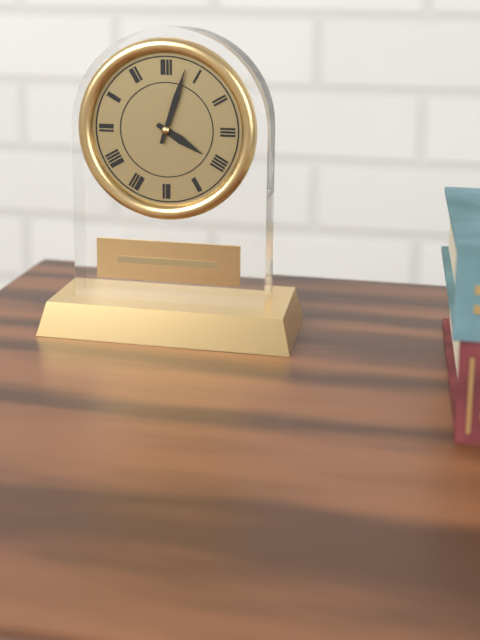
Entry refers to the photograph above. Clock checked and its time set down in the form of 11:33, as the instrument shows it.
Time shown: 4:03
